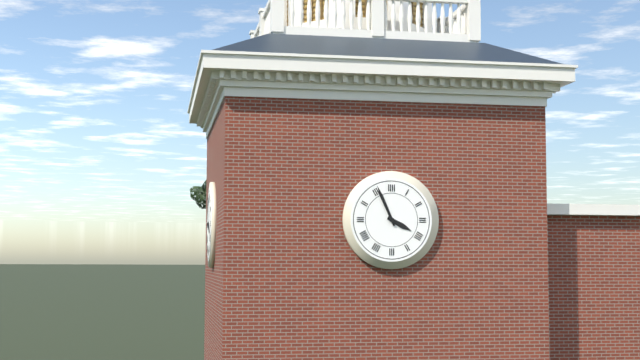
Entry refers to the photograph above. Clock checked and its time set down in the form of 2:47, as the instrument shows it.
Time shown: 3:56
